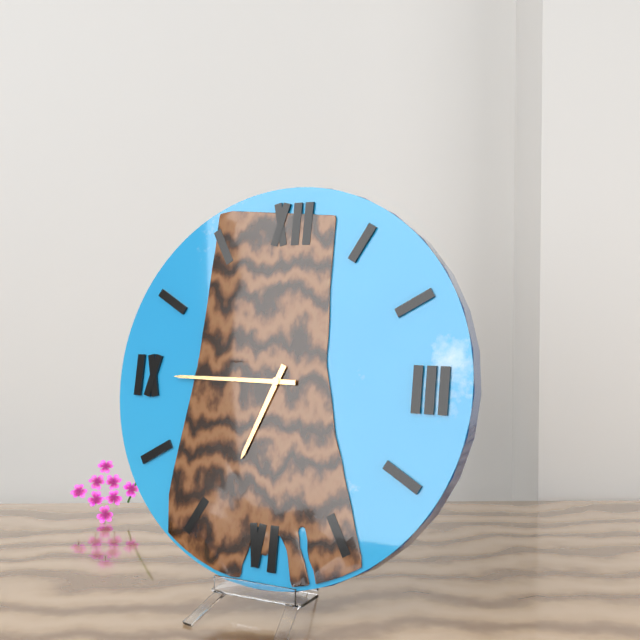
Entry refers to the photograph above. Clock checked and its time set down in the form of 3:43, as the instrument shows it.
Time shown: 6:45
